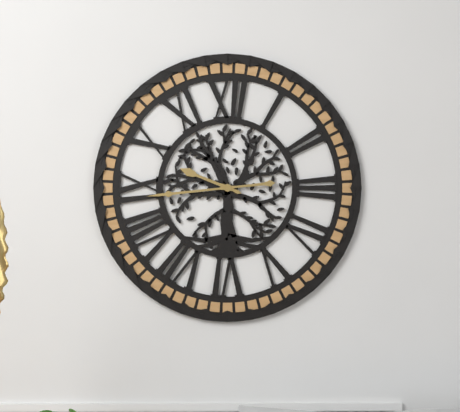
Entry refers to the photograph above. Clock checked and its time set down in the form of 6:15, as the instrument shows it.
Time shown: 9:44
